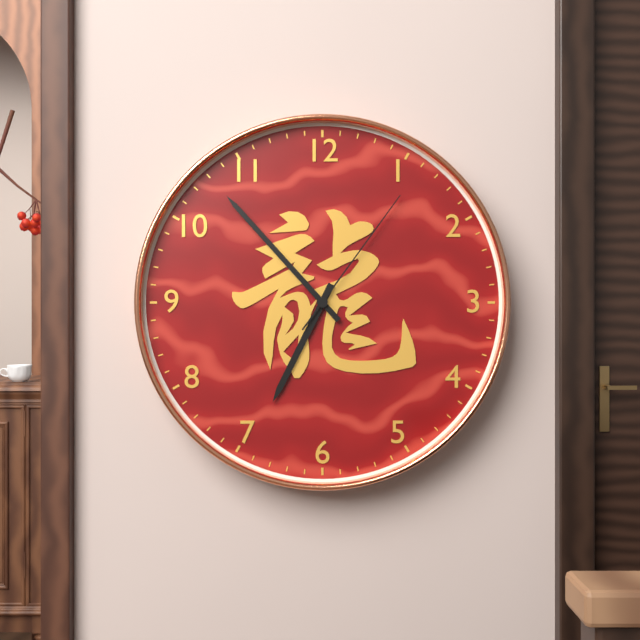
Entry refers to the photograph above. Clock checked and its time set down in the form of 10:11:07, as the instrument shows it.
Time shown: 6:53:06
